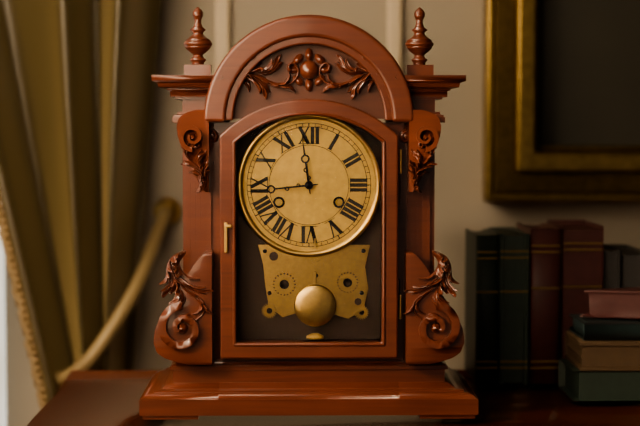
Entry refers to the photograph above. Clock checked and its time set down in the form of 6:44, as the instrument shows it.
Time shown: 11:44
